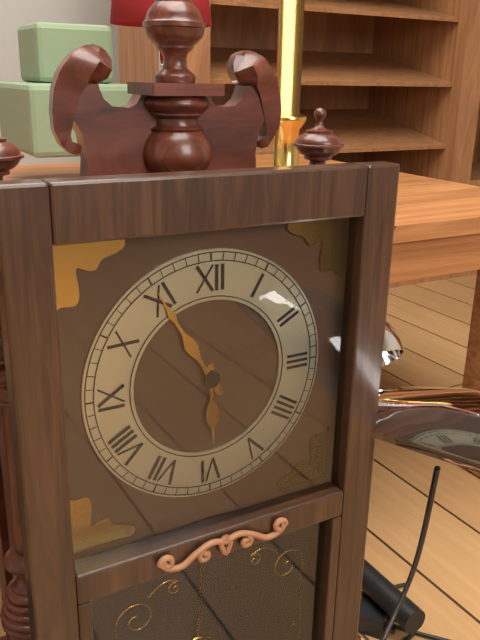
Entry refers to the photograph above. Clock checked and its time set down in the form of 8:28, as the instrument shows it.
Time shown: 5:55
